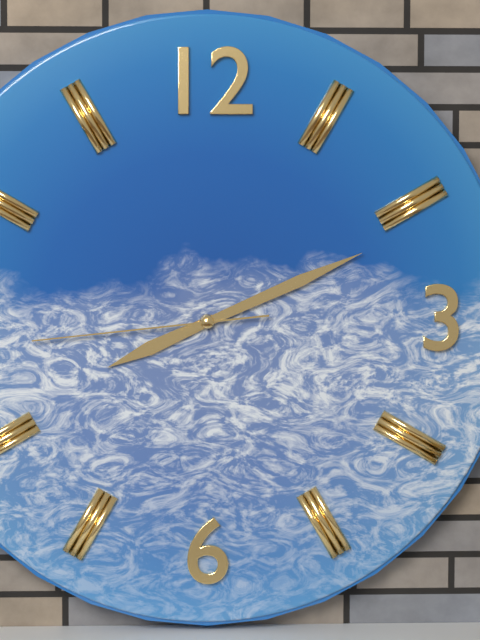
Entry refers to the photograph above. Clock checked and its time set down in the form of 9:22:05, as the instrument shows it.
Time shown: 8:11:44
